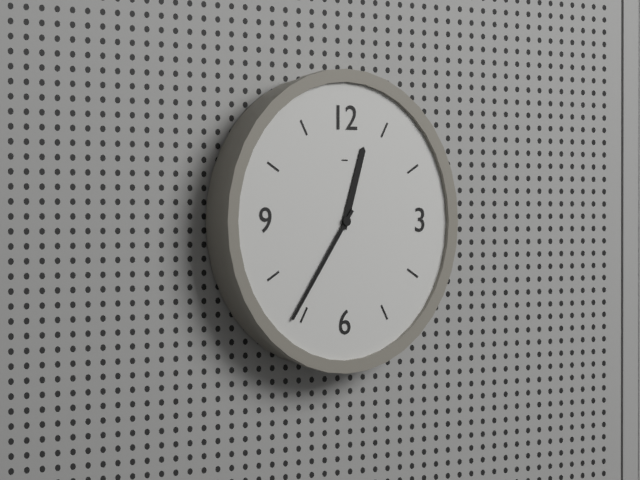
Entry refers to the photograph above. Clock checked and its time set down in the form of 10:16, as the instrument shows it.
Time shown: 12:36
